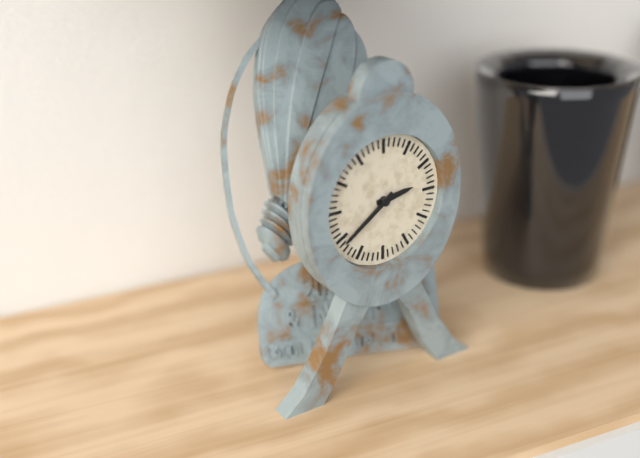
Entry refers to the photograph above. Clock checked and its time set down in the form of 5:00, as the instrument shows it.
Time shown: 2:39
